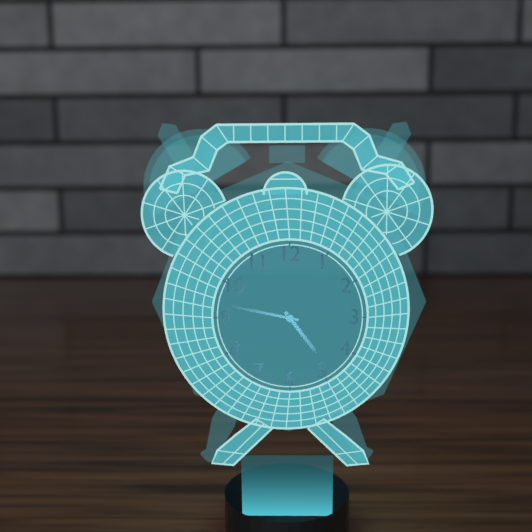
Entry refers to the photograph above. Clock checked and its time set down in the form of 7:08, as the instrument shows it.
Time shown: 4:47
